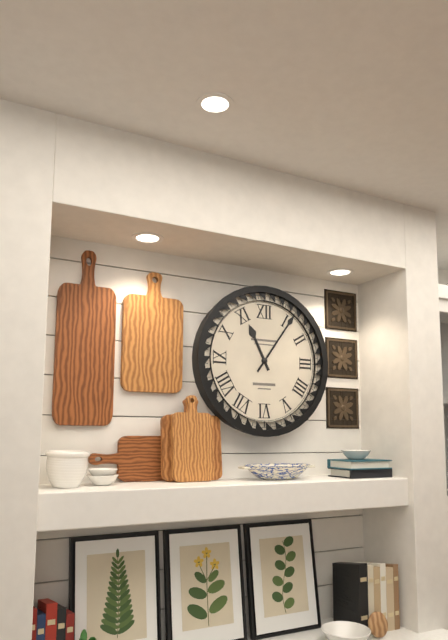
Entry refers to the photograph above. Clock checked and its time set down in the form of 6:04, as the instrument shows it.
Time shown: 11:06
